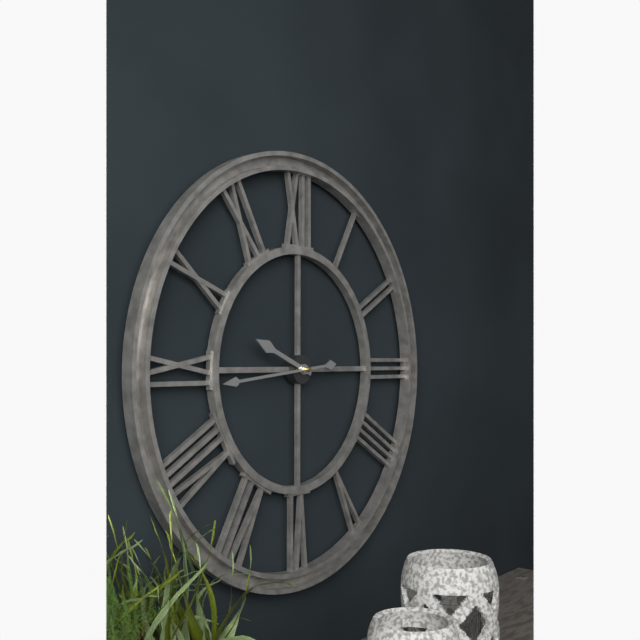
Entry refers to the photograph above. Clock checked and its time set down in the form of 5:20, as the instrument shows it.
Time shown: 9:44
